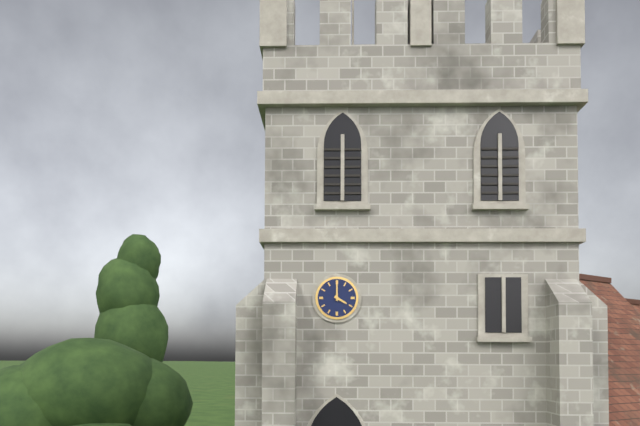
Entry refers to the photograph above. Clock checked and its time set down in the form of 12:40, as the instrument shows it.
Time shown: 4:00
